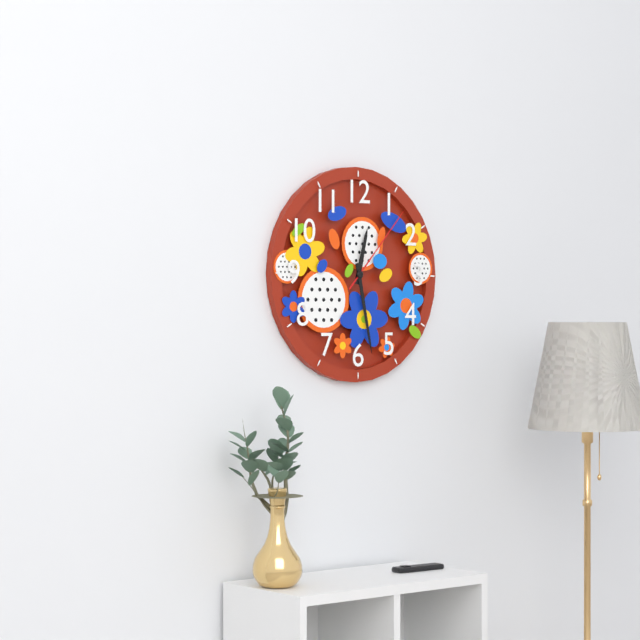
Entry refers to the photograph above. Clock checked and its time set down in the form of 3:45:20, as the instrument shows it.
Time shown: 12:28:07
